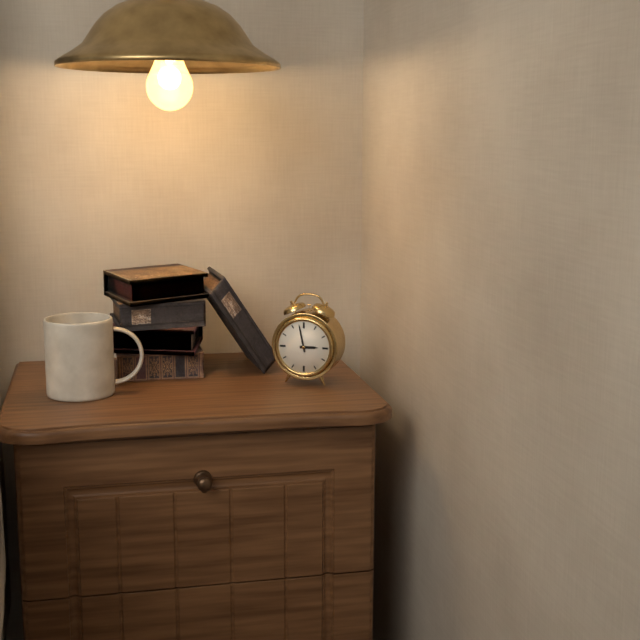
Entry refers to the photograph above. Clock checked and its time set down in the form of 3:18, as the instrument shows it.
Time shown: 2:58
